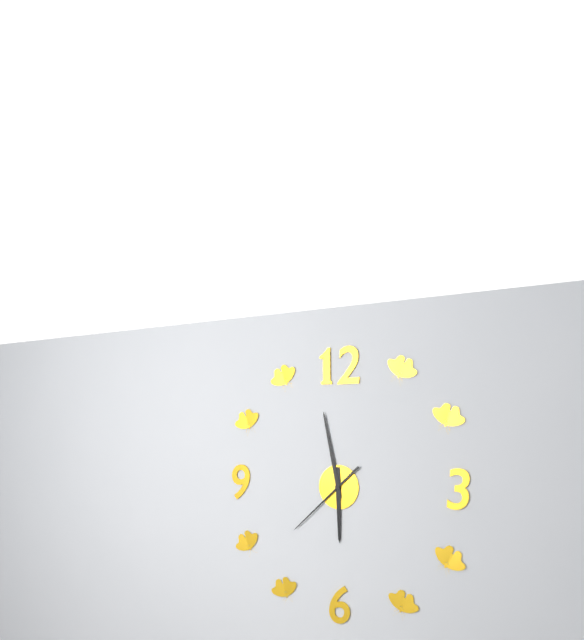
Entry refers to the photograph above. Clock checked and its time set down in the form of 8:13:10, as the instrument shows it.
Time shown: 5:58:38
